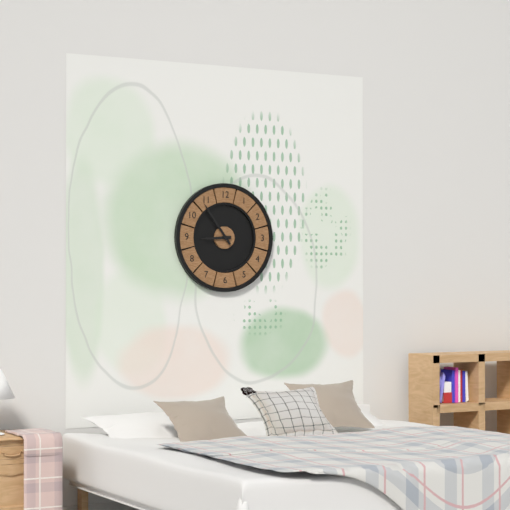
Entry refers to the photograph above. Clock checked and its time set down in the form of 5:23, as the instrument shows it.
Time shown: 8:54
